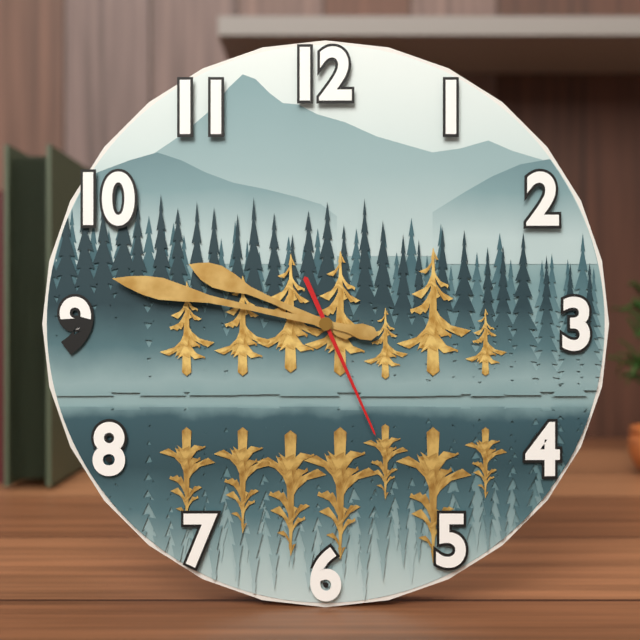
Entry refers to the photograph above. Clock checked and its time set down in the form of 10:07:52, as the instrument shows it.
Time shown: 9:47:26
